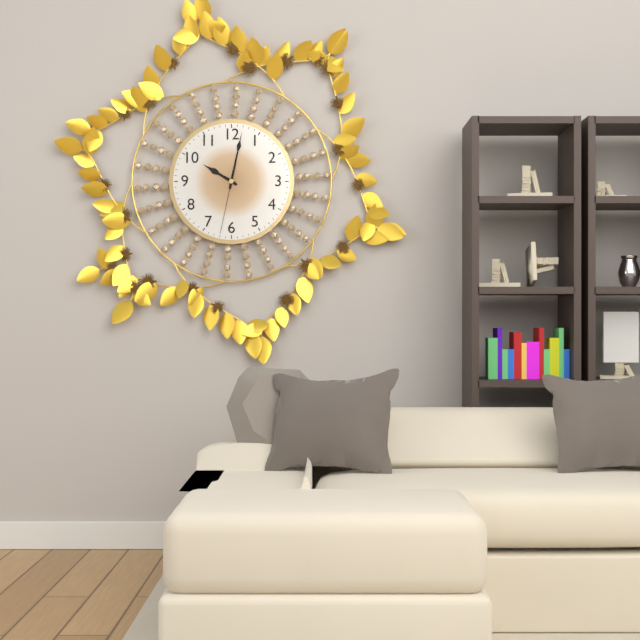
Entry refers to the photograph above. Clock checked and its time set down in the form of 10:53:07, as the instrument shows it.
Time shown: 10:02:32
